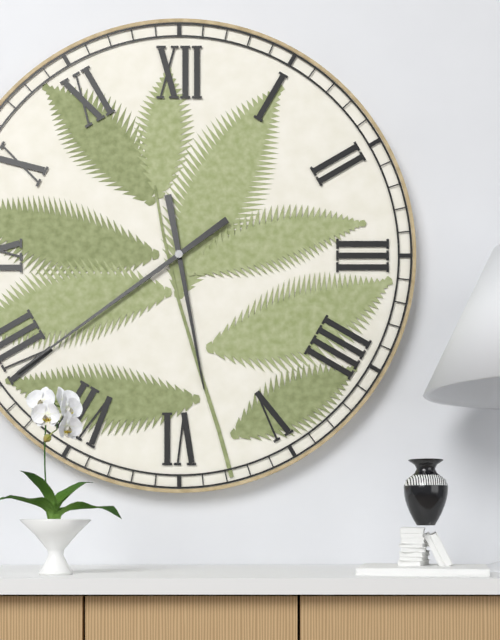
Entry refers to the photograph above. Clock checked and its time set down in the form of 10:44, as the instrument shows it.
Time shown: 5:39
